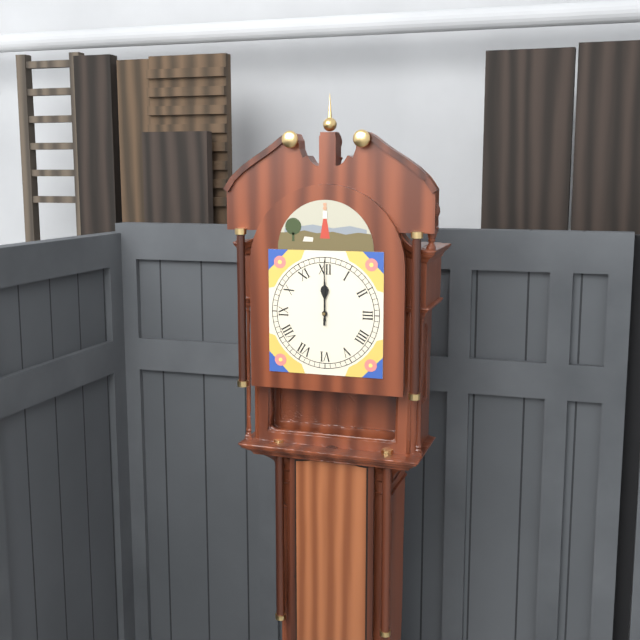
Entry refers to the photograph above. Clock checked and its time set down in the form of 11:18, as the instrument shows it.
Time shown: 12:00
